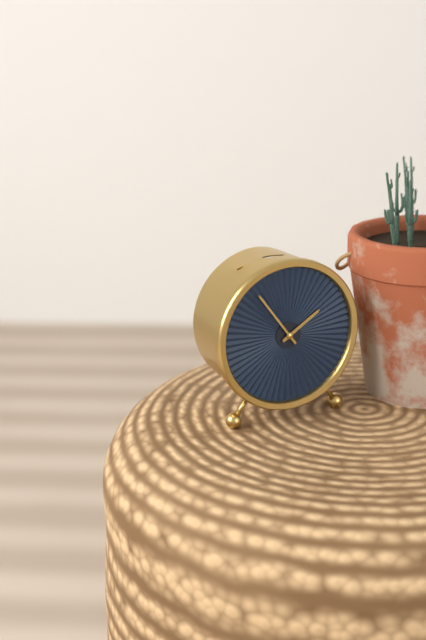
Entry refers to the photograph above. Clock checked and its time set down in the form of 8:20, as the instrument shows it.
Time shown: 1:54
